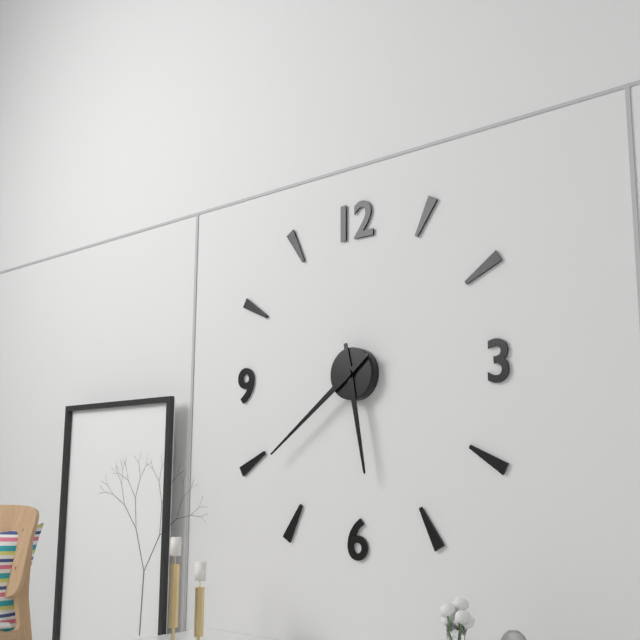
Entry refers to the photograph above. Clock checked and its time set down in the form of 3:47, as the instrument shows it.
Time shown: 5:39
